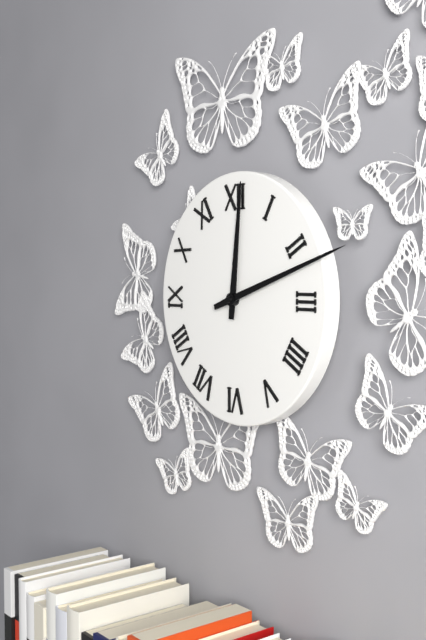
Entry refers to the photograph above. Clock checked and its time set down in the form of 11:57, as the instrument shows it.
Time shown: 12:12
